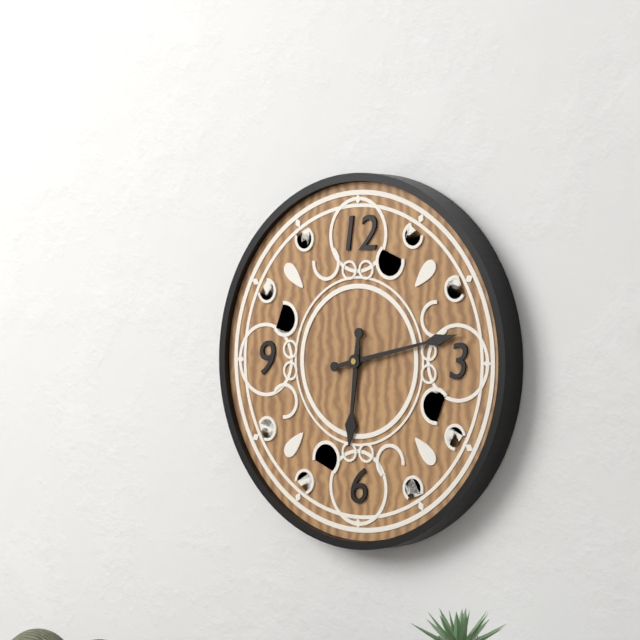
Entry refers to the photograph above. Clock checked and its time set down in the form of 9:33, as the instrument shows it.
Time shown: 6:13
